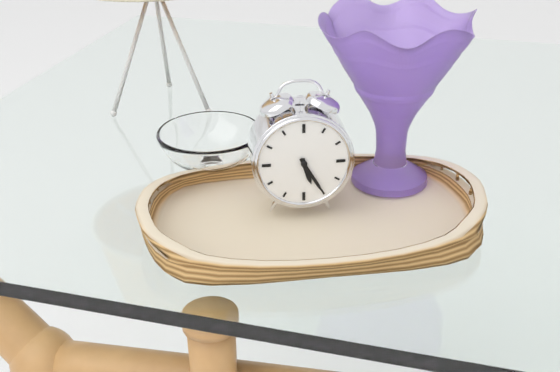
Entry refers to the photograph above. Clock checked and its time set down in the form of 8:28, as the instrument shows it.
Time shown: 5:25
